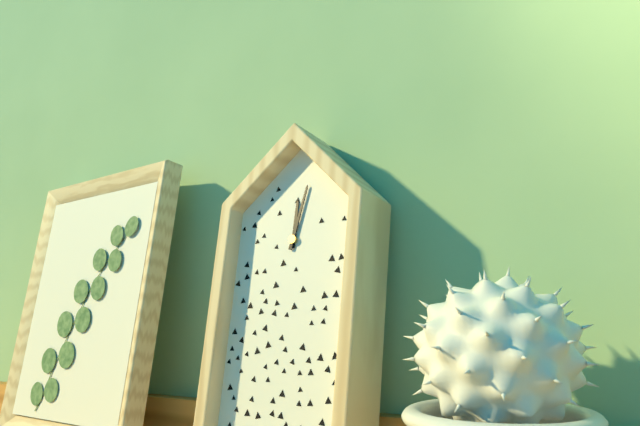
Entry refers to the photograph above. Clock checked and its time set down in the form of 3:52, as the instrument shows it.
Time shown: 12:02
